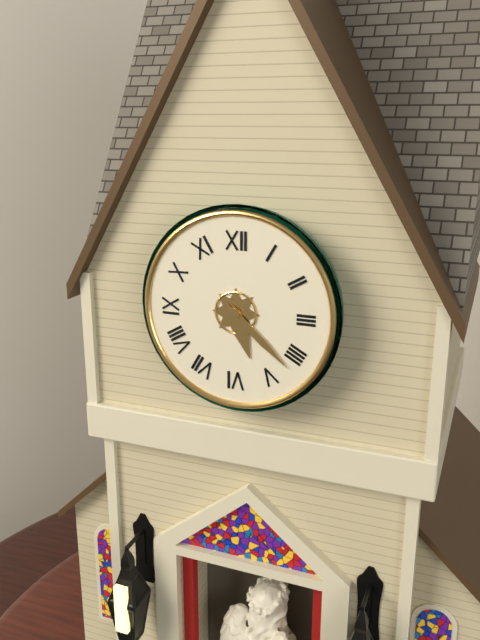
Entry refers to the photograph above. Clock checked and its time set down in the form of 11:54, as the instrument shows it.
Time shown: 5:22
